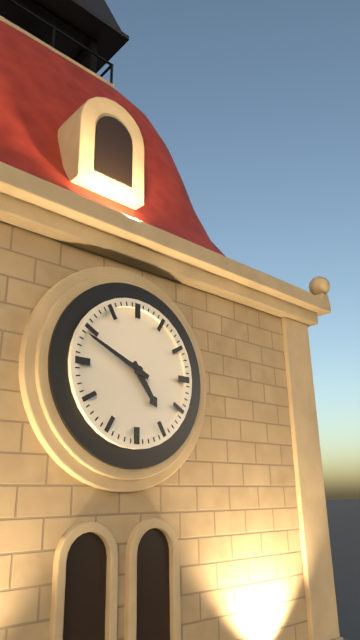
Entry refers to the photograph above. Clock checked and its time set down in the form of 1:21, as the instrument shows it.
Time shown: 4:49
